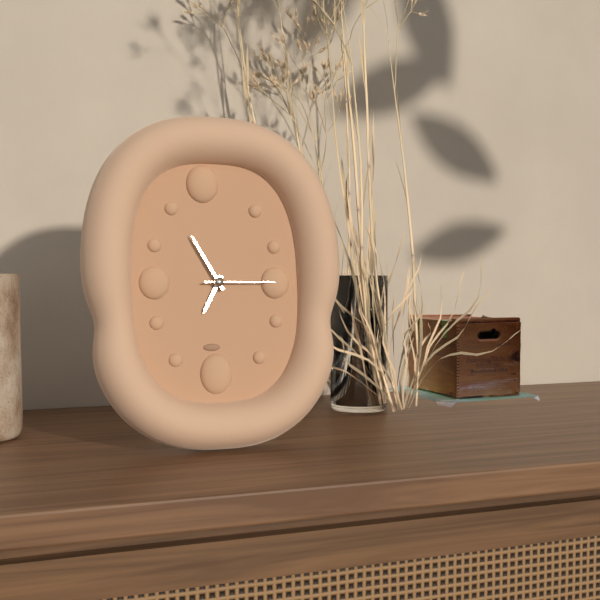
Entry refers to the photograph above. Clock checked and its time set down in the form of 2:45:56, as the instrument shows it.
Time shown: 6:55:15
